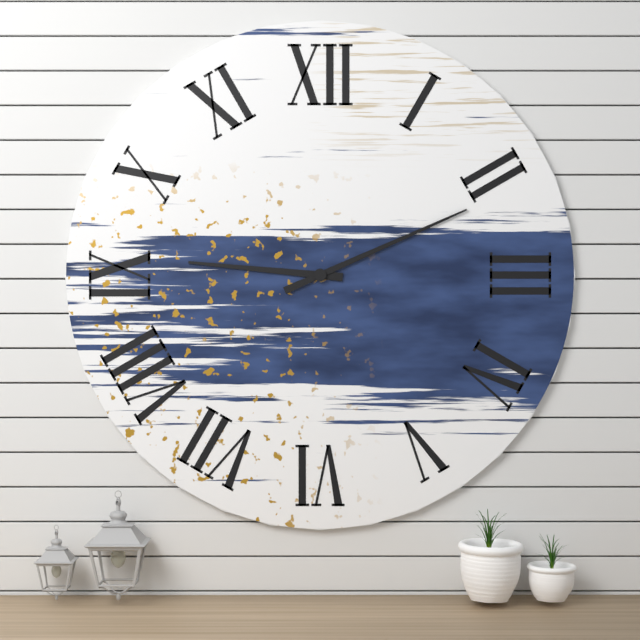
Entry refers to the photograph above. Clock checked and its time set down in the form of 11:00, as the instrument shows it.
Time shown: 9:11
